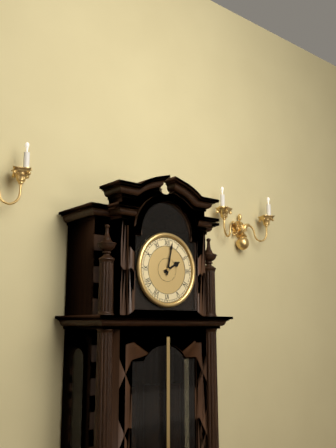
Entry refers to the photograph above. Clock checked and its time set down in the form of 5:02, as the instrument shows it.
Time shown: 2:02
